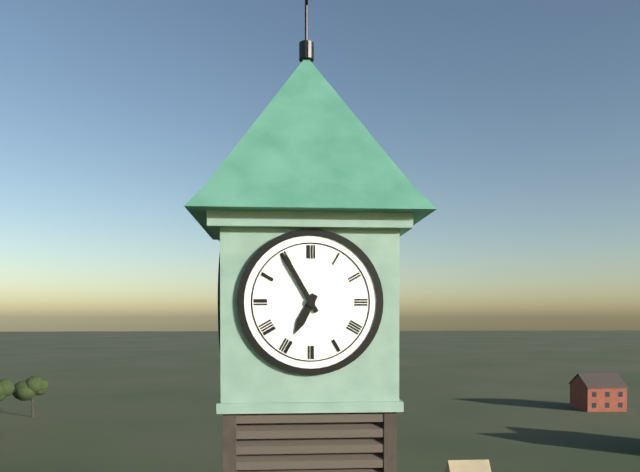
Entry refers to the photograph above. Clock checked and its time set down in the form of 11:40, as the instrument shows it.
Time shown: 6:55
